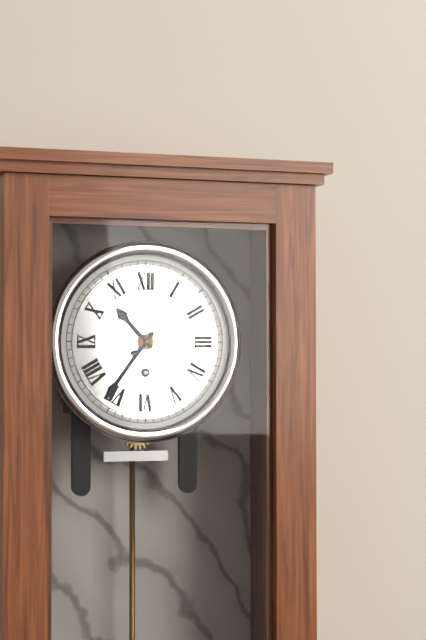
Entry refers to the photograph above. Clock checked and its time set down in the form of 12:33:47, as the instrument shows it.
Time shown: 10:36:08
